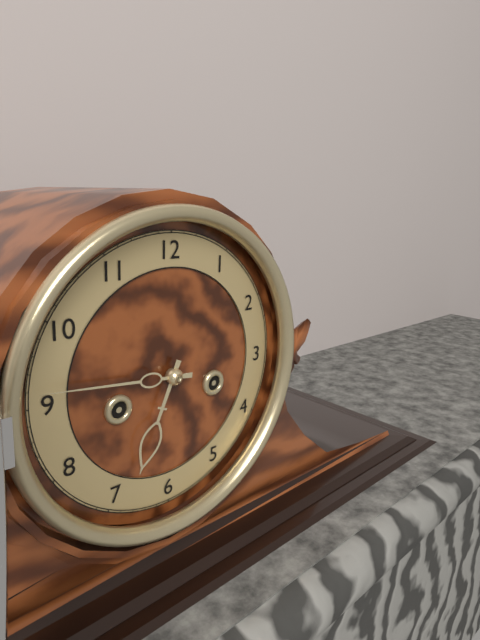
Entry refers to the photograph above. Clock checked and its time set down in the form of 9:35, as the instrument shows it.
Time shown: 6:46
